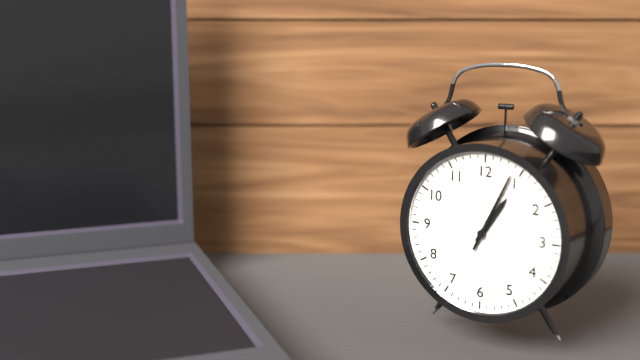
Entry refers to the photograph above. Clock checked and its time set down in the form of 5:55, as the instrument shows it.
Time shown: 1:04
